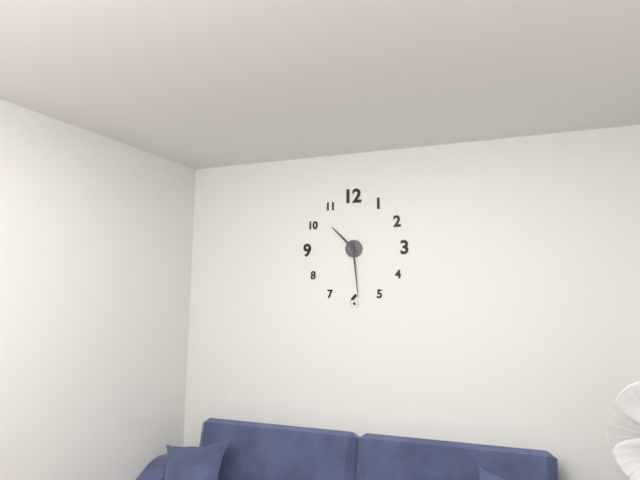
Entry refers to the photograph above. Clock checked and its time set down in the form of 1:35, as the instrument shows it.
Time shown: 10:29
